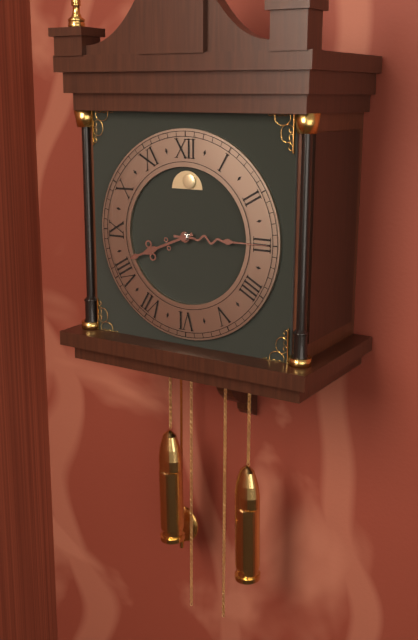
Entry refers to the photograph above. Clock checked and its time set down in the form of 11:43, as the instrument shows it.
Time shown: 8:15
